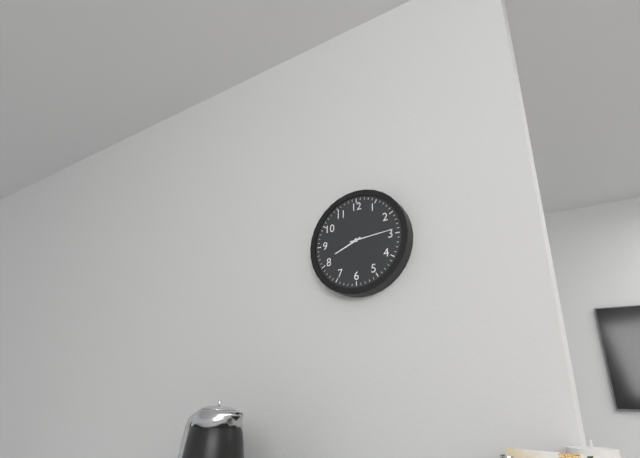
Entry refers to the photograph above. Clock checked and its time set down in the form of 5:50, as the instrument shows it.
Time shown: 8:14
